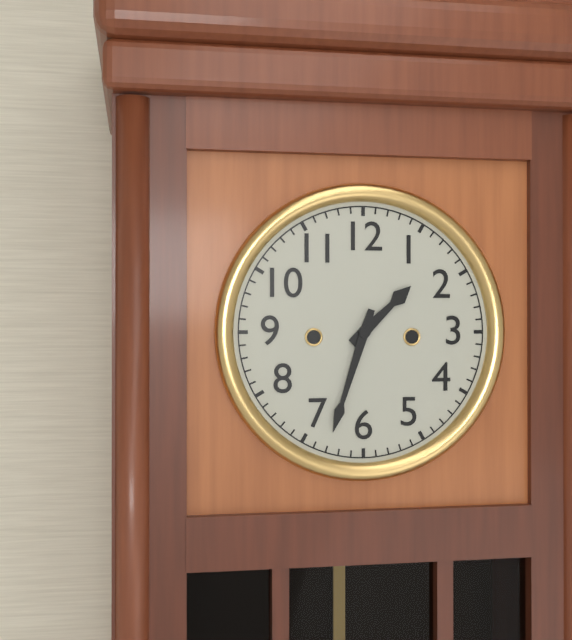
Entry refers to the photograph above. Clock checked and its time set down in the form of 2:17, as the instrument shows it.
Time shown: 1:33
